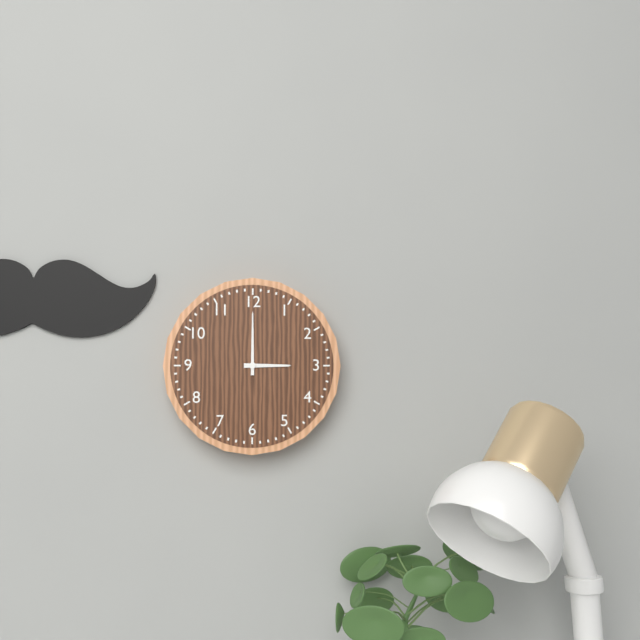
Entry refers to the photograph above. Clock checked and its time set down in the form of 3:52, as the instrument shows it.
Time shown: 3:00
